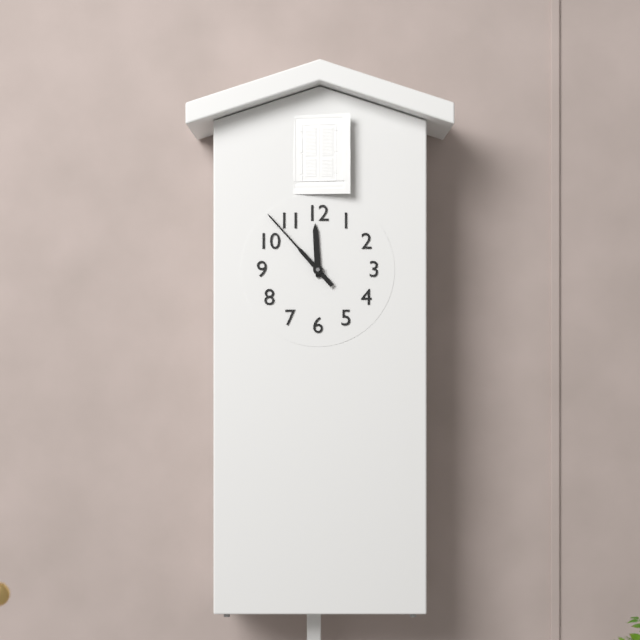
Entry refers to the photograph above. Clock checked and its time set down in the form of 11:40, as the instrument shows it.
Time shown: 11:53
